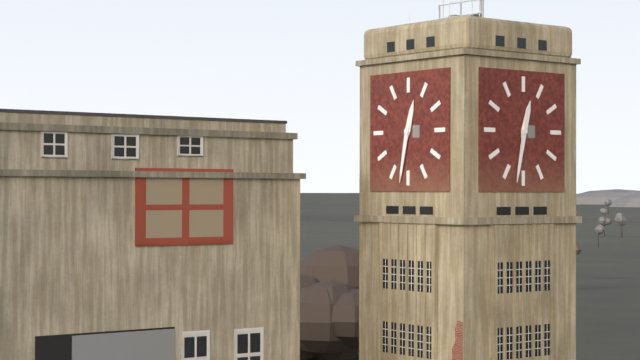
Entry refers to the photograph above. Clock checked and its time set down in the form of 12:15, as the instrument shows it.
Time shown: 12:32
